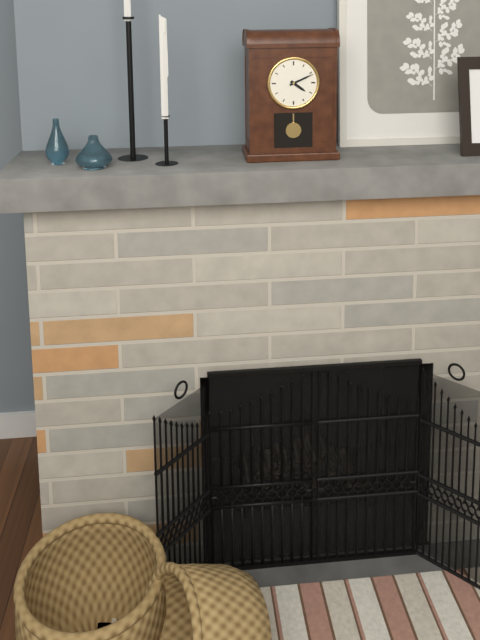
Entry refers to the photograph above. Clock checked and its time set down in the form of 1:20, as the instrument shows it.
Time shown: 4:11
